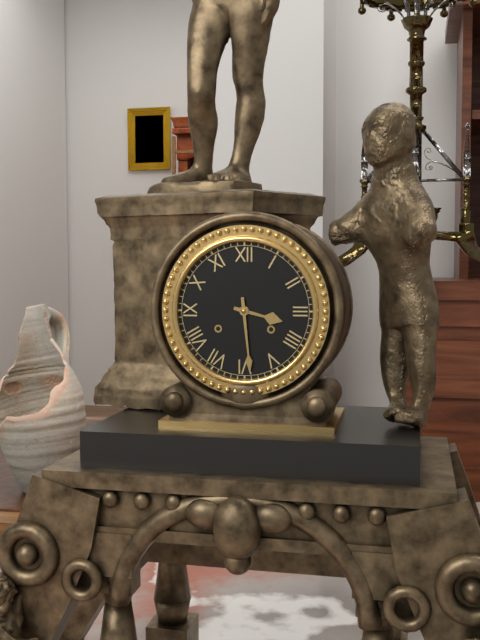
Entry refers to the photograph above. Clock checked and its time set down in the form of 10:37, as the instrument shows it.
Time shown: 3:29
